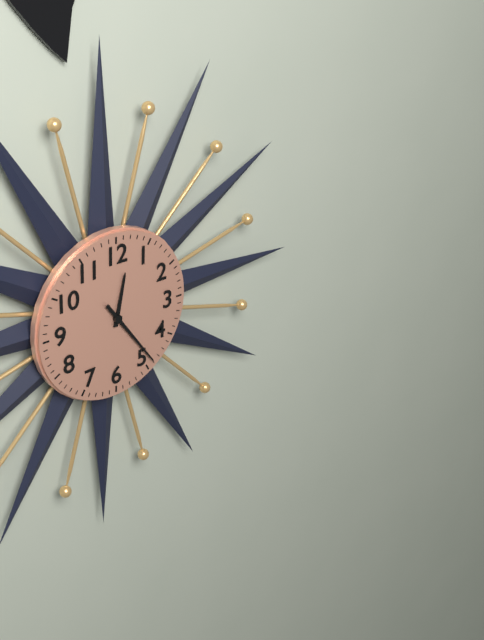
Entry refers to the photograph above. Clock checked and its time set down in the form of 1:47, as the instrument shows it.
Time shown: 12:24
